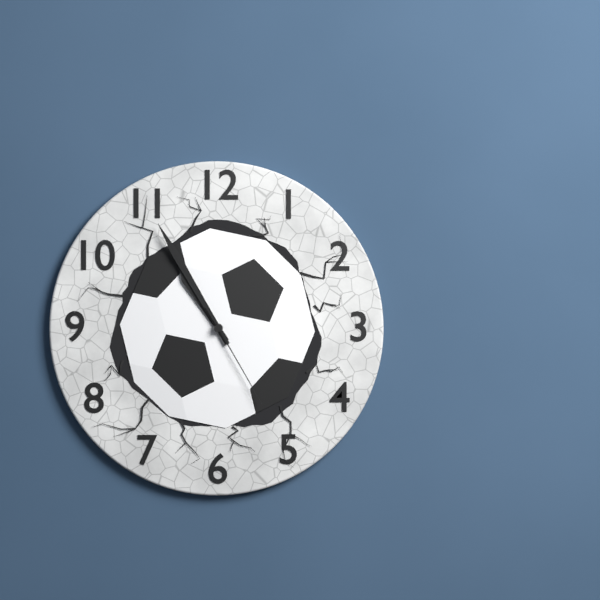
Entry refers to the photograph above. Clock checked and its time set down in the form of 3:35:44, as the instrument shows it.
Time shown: 10:55:25
